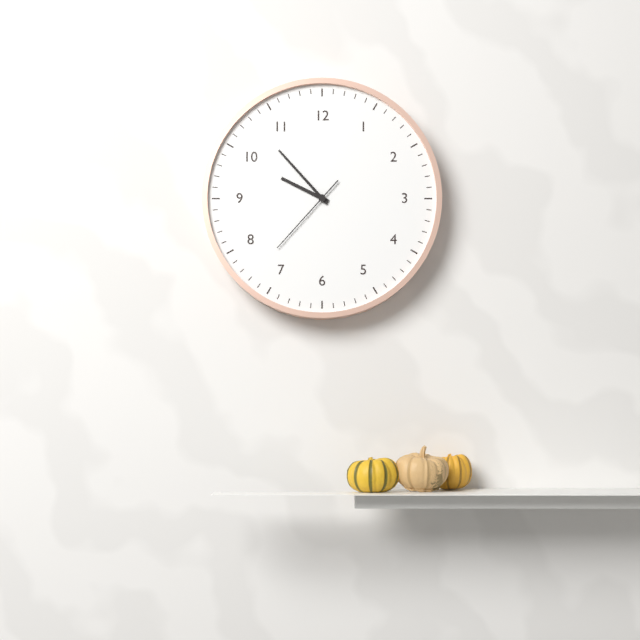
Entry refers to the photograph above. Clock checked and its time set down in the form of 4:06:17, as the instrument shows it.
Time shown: 9:53:37
